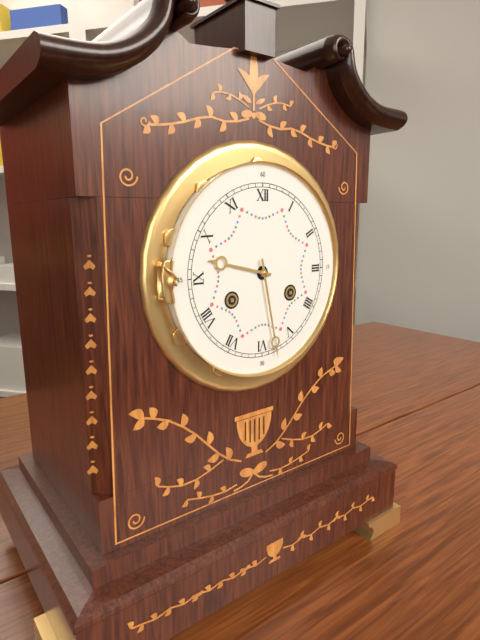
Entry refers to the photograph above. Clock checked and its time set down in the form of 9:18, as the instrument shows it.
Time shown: 9:28
